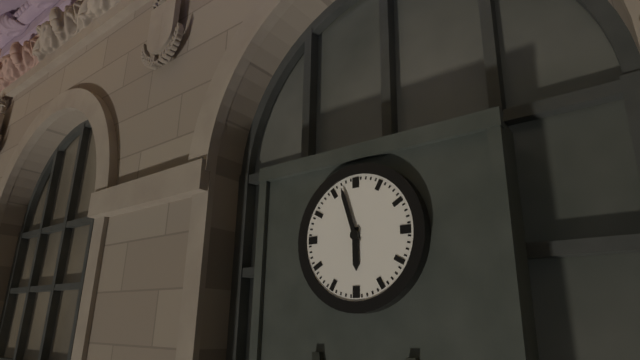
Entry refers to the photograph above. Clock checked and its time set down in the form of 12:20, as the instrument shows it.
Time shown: 5:57
